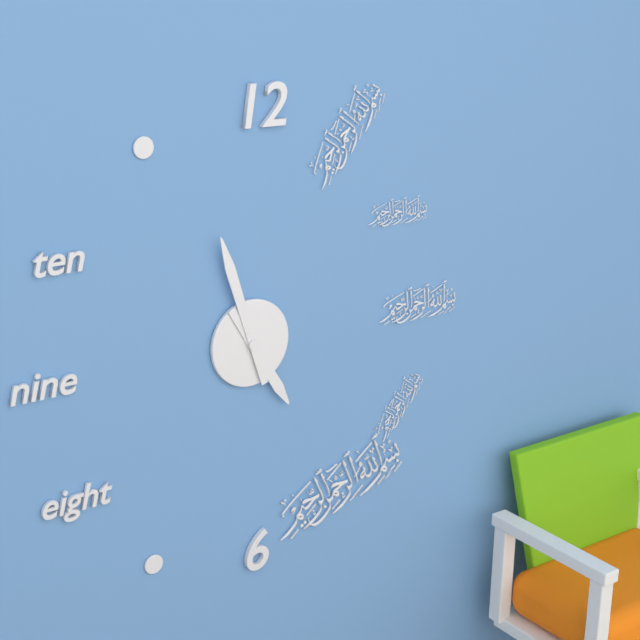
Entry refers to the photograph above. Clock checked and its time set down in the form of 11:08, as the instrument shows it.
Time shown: 4:57
